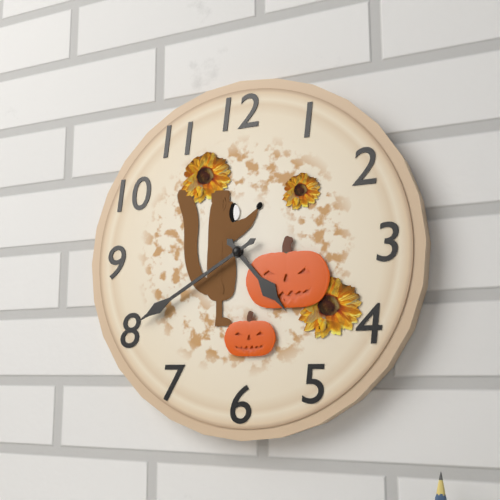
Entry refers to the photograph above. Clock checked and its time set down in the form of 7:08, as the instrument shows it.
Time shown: 4:40
